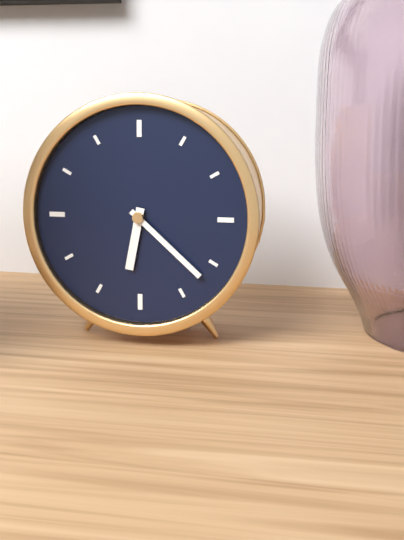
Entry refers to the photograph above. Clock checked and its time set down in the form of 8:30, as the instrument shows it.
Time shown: 6:22
